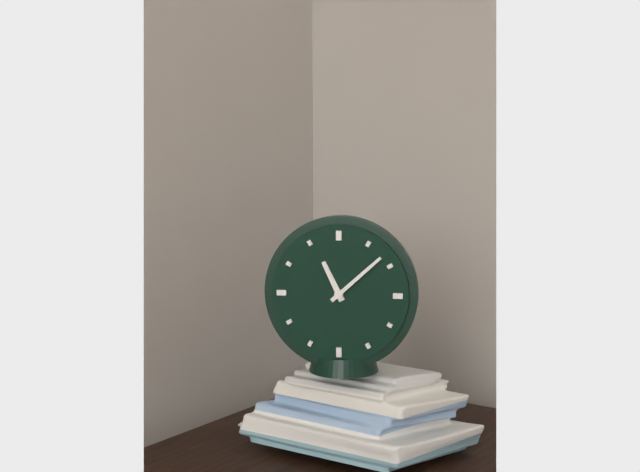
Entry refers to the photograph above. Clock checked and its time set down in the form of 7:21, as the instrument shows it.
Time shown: 11:08
